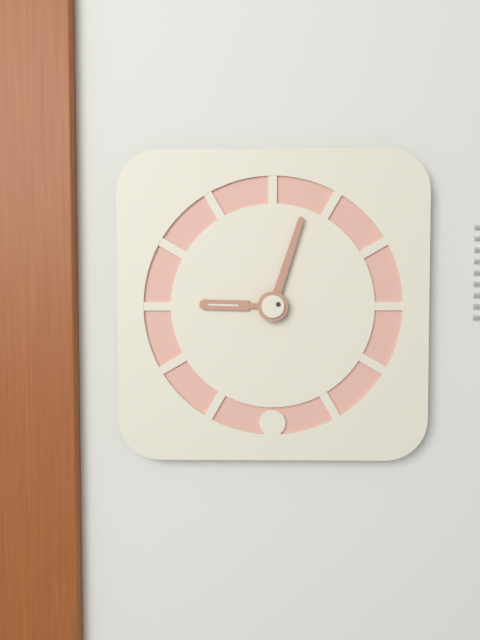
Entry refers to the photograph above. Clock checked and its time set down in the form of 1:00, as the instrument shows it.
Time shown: 9:03
